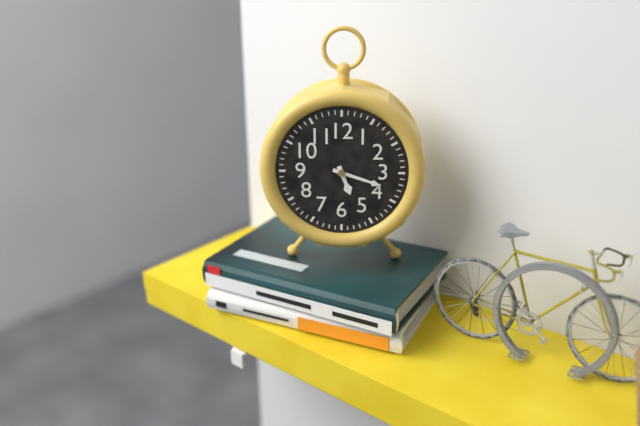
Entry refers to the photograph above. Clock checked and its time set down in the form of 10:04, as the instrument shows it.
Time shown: 5:18
